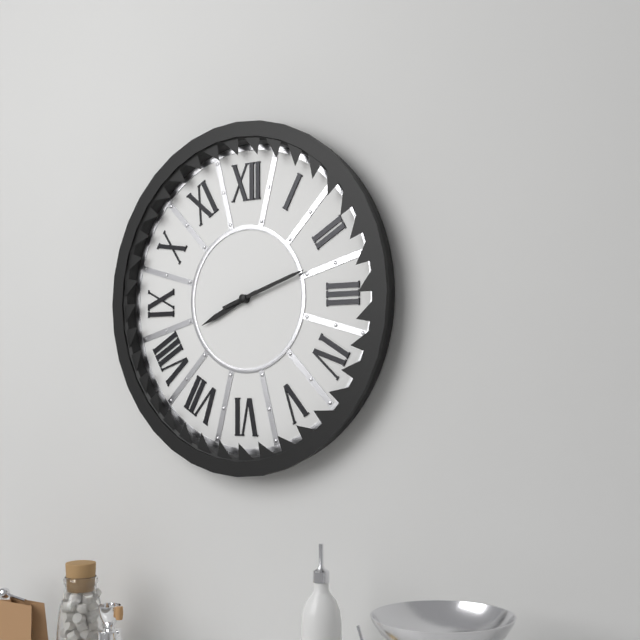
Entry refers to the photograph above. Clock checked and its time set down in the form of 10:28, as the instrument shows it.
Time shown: 8:12
